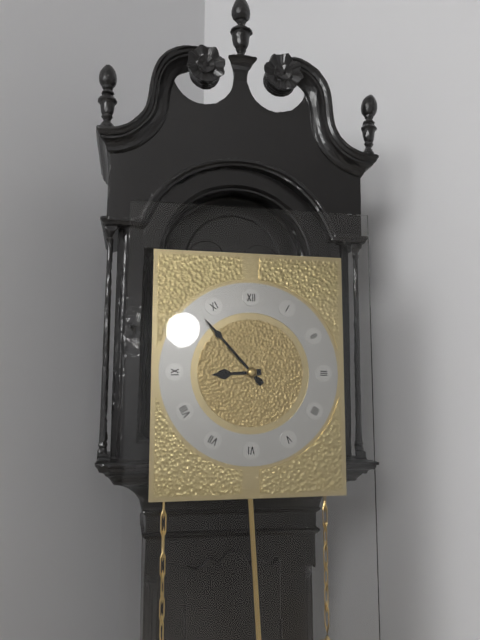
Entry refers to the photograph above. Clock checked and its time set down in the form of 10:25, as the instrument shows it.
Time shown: 8:53
